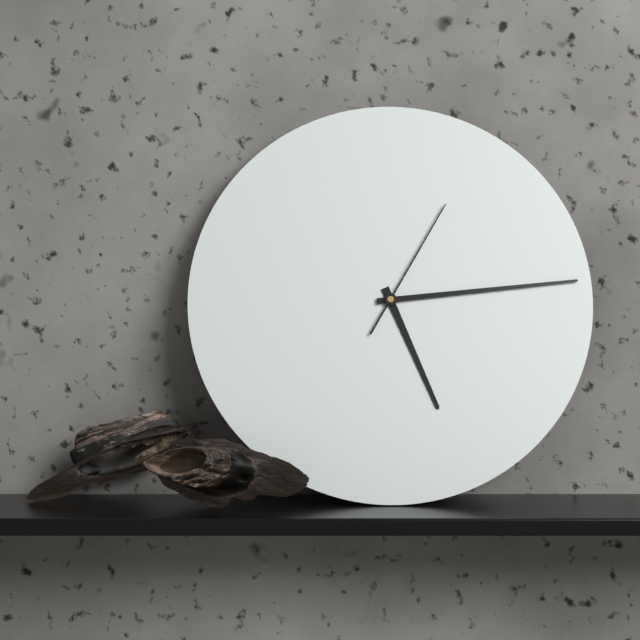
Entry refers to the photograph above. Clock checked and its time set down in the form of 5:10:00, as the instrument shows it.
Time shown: 5:14:05
